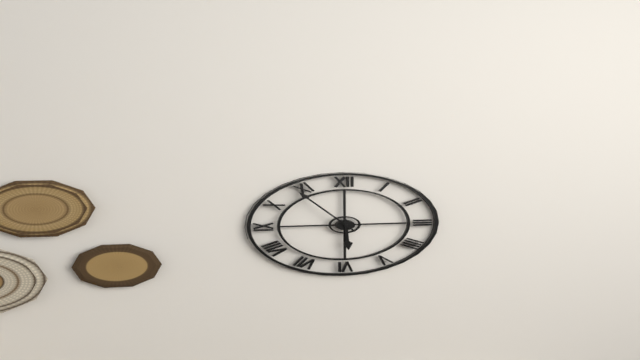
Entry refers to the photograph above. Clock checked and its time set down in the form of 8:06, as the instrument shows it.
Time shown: 5:54
